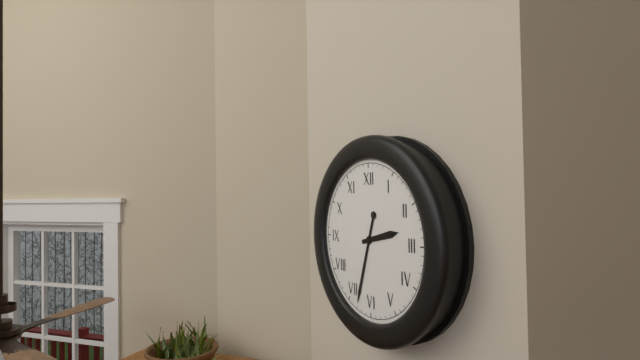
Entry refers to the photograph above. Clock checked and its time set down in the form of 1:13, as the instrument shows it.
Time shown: 2:33
